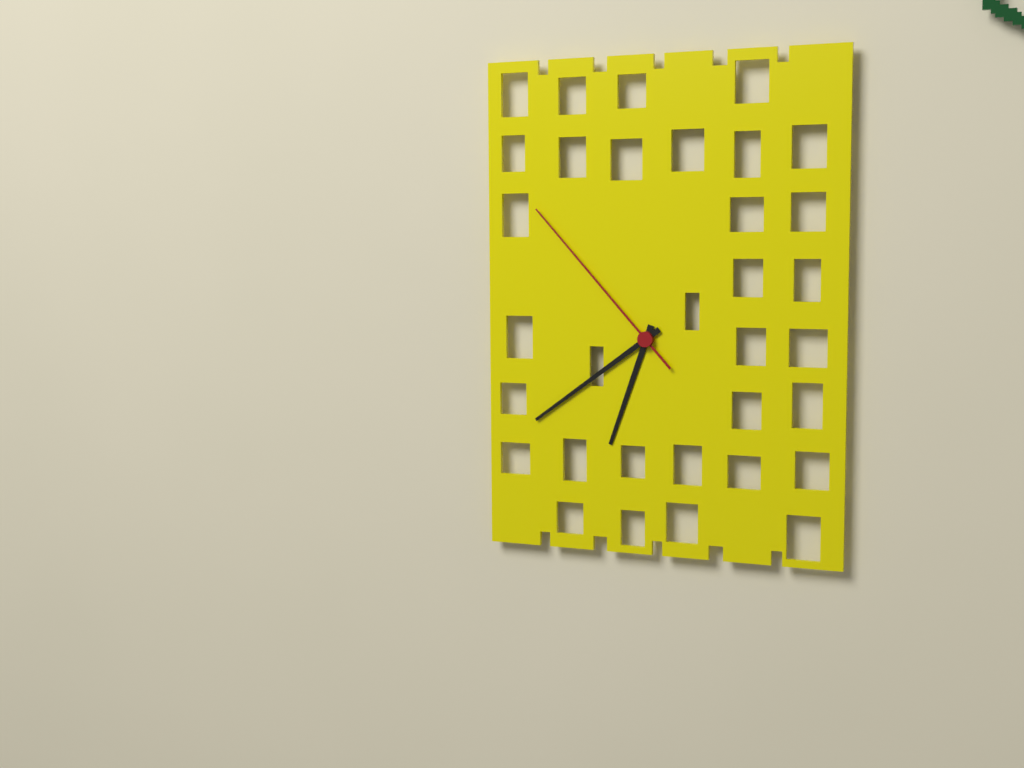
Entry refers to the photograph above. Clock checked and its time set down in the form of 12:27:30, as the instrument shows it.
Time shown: 6:39:53
